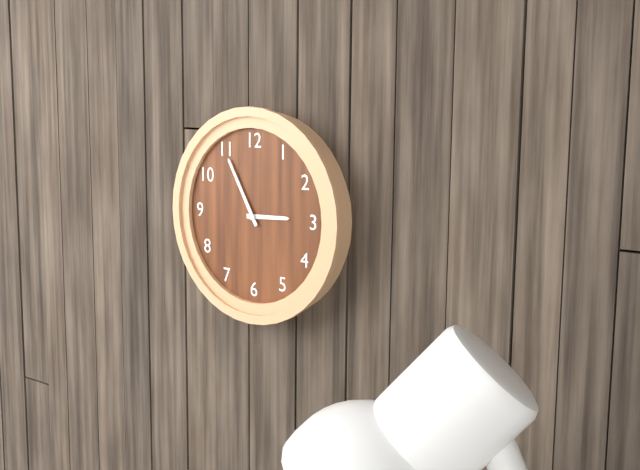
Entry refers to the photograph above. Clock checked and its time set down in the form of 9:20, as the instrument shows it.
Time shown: 2:55
